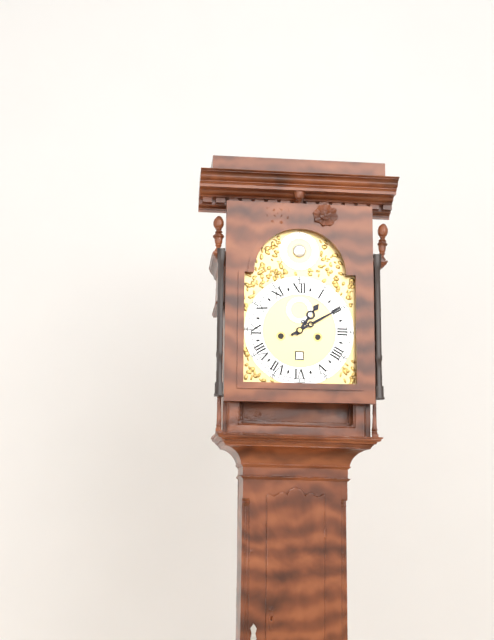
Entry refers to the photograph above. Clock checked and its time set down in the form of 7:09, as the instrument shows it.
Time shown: 1:10
